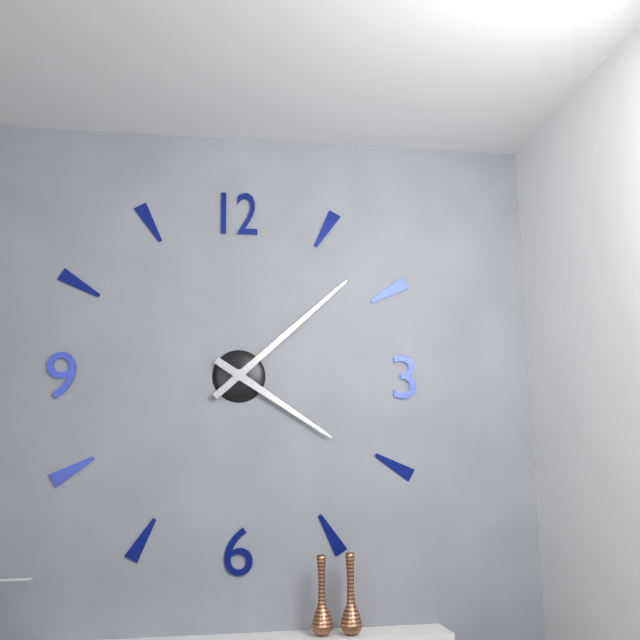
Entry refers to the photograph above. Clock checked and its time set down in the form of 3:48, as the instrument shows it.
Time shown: 4:08
